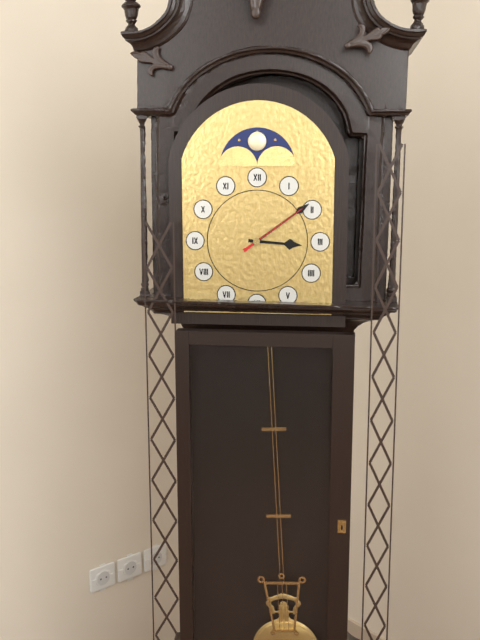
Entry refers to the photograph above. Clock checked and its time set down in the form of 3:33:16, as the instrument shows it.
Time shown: 3:09:09
